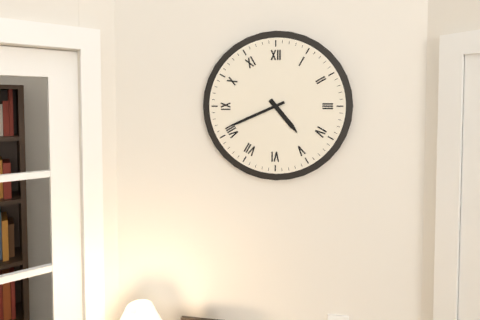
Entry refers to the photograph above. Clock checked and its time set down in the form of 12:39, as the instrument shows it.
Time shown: 4:41
